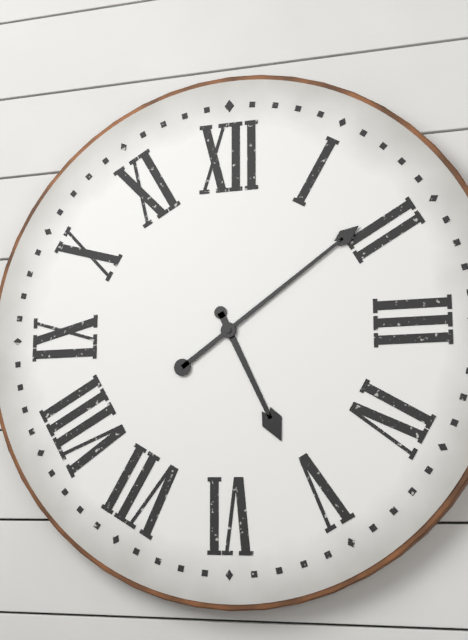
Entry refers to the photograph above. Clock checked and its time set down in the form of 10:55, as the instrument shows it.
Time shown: 5:09
